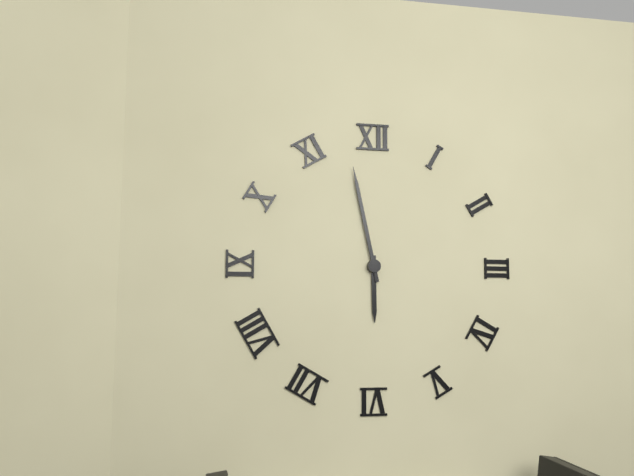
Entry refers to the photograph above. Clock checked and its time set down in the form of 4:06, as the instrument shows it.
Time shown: 5:58
